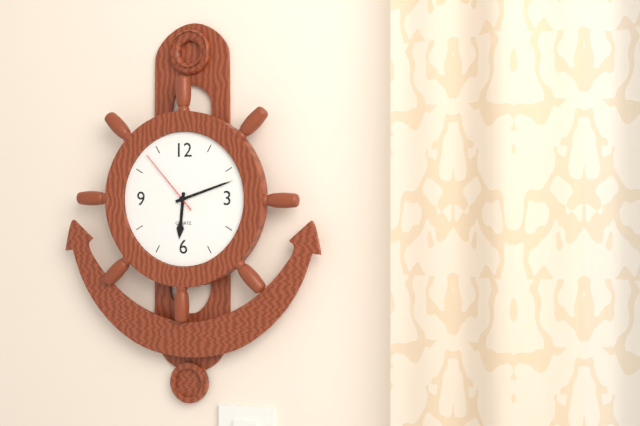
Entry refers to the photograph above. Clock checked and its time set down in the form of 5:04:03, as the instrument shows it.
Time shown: 6:12:53
